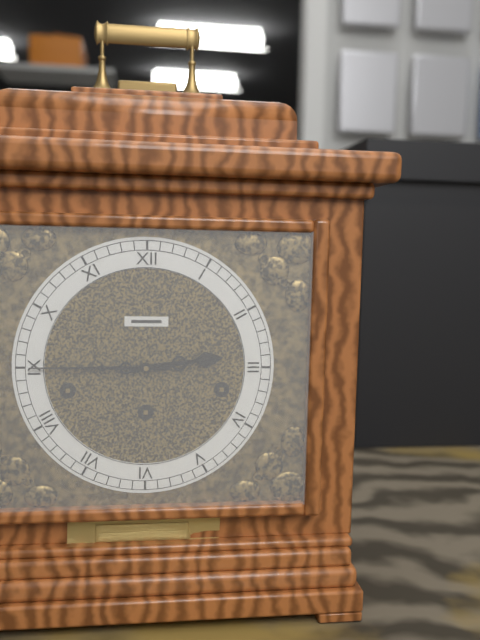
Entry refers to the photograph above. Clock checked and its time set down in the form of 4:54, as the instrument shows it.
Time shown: 2:45
